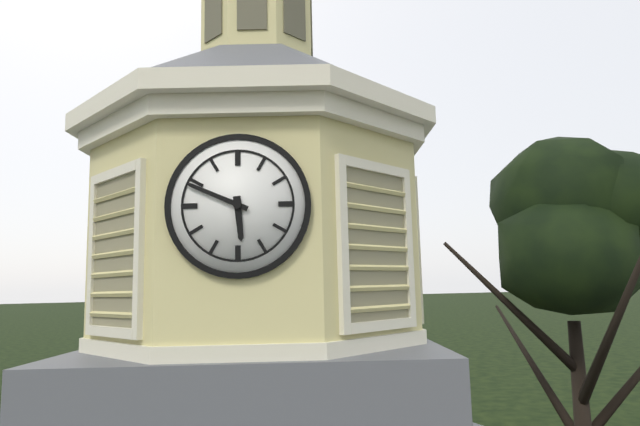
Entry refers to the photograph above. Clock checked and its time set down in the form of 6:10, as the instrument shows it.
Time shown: 5:49
